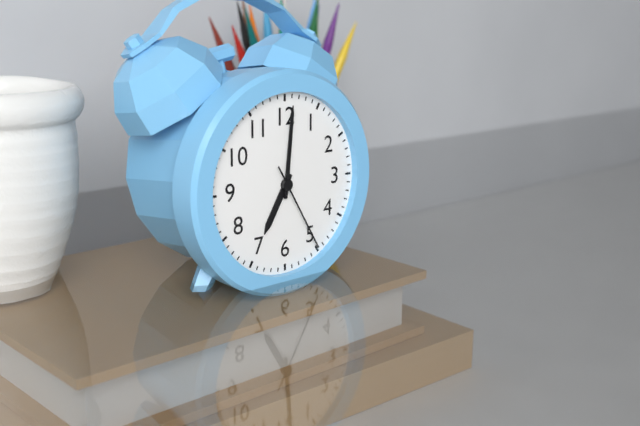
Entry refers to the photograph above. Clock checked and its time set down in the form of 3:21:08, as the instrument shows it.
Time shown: 7:01:25
